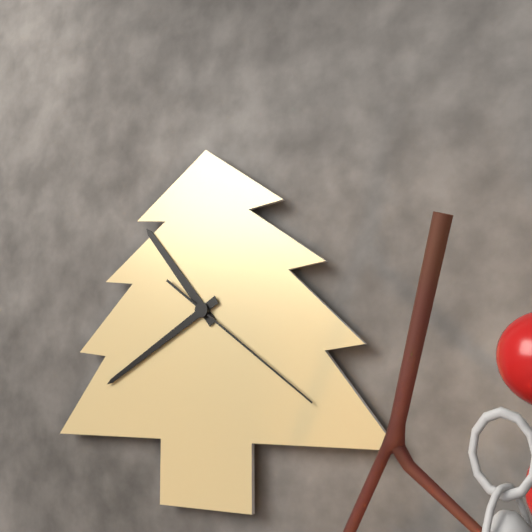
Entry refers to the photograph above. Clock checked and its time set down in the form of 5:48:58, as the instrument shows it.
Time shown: 10:40:21
